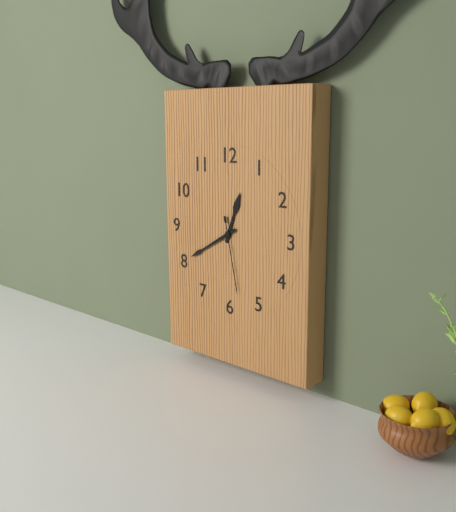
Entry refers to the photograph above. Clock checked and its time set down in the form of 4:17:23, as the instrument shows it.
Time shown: 12:40:28
